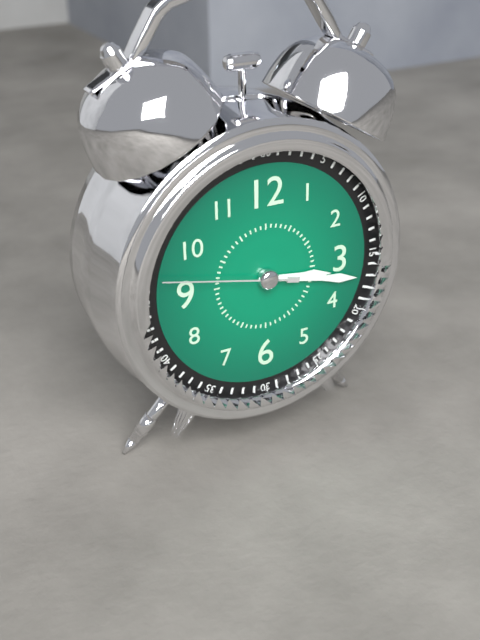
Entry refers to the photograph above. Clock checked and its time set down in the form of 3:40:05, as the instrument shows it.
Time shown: 3:17:47
